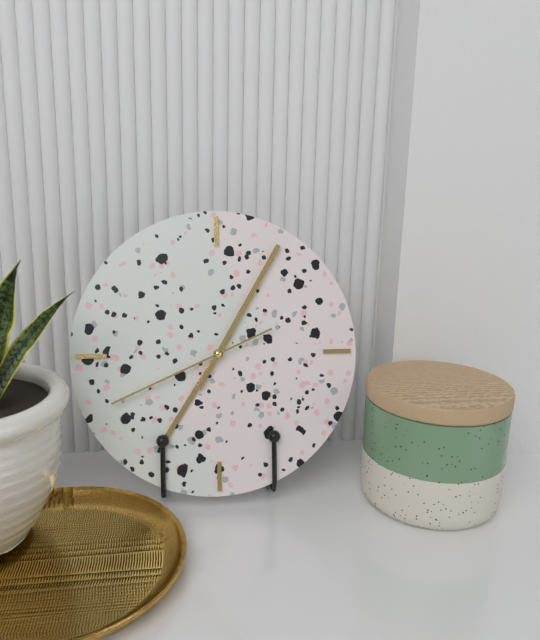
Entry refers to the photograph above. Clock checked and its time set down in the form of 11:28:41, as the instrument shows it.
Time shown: 7:05:41
